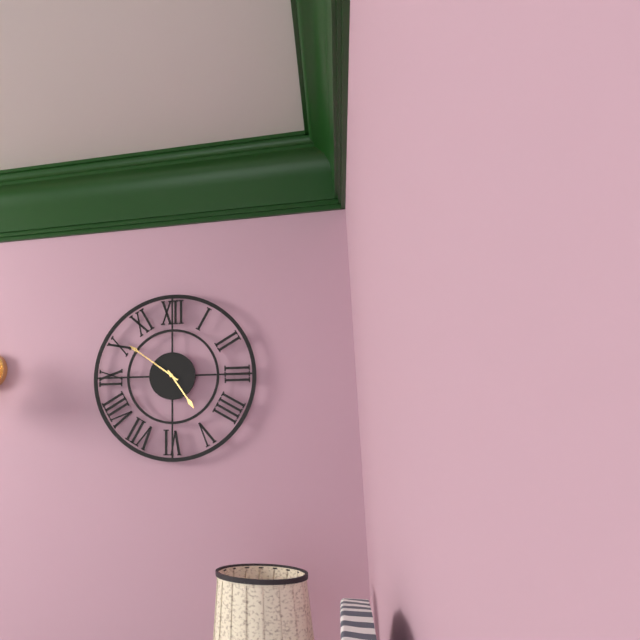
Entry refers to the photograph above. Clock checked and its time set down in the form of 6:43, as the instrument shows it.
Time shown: 4:51
